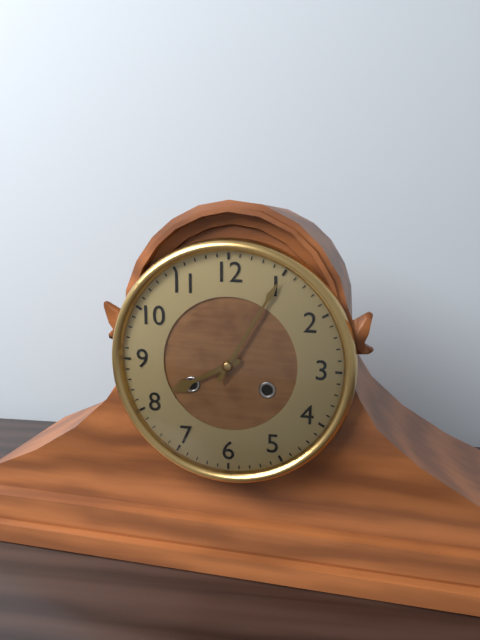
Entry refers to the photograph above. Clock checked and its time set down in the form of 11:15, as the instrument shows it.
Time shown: 8:05
